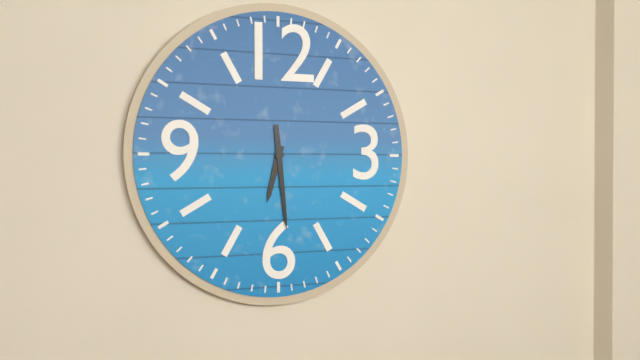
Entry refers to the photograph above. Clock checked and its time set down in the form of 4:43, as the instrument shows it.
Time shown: 6:29
